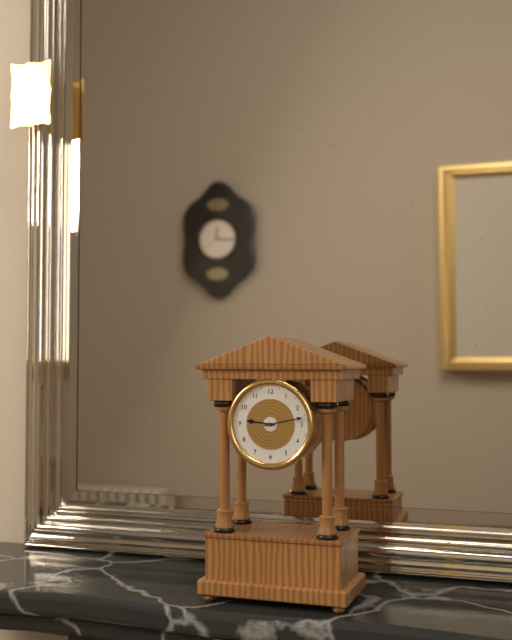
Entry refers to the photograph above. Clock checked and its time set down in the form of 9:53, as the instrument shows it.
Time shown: 9:13
